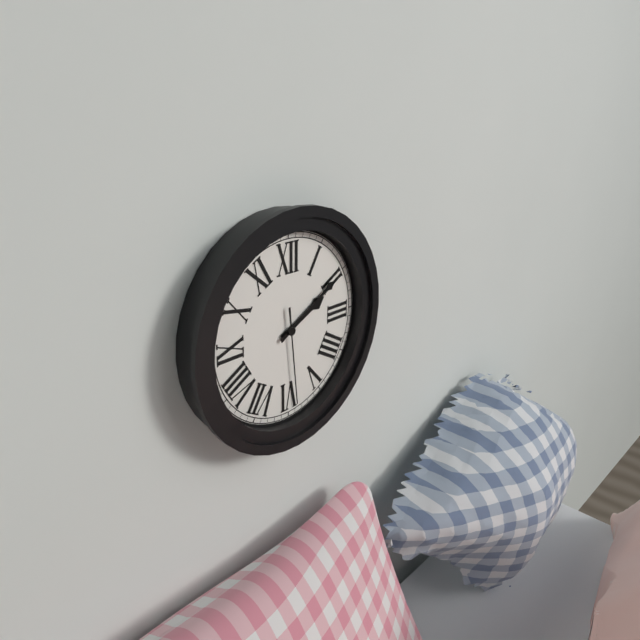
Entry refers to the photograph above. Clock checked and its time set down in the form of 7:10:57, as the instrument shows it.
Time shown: 2:10:29
